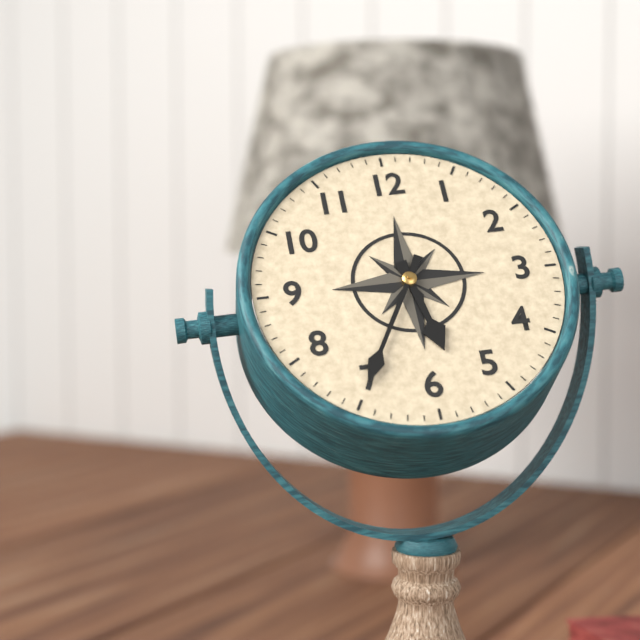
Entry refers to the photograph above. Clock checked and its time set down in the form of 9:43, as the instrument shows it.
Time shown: 5:35
